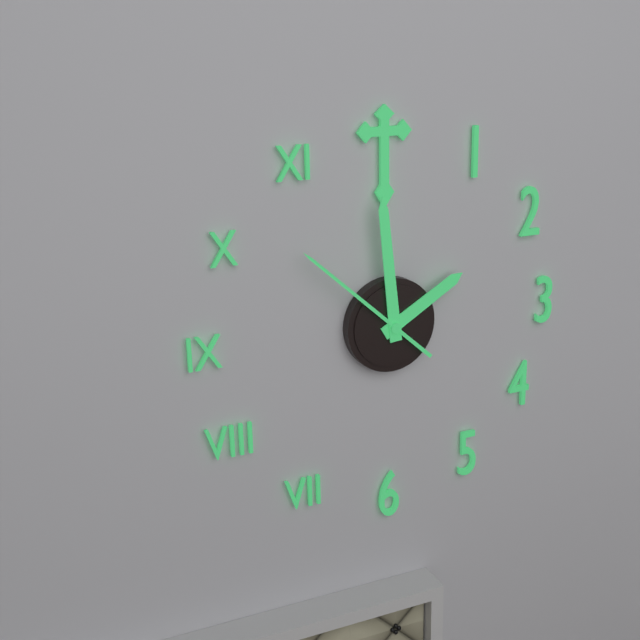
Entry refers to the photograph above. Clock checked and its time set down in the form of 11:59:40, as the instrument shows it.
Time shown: 1:59:52
